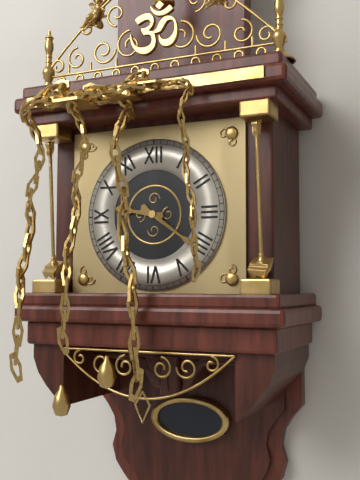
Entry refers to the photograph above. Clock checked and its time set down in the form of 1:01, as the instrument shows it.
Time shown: 9:21
